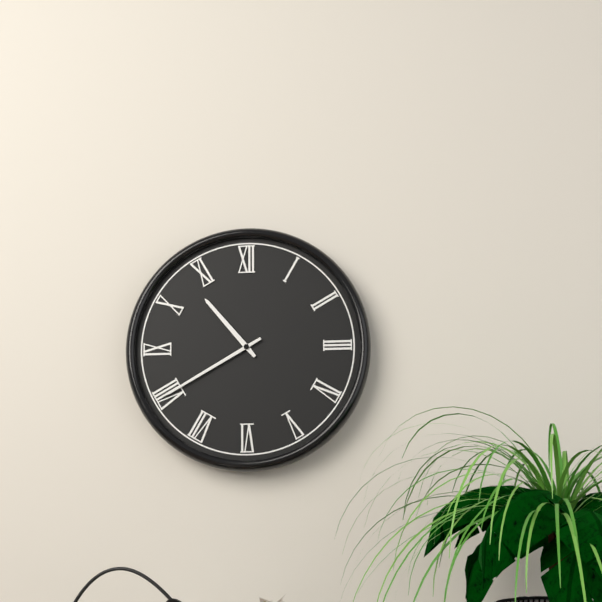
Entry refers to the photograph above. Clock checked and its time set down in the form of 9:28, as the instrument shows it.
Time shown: 10:40
